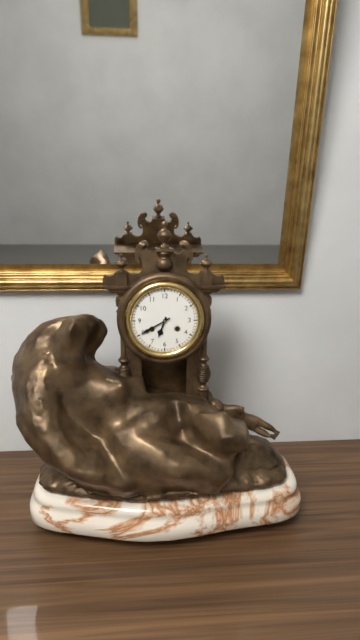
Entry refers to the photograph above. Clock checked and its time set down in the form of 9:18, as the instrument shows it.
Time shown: 6:40
